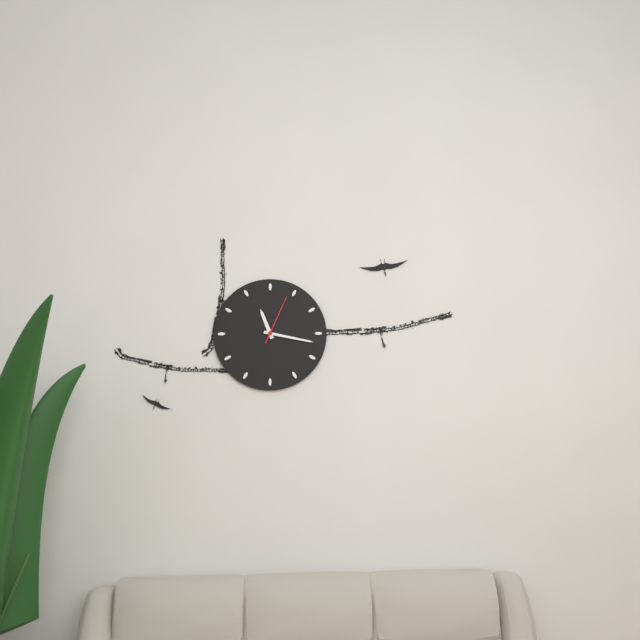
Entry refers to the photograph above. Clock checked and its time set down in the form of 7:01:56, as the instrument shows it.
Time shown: 11:17:04
